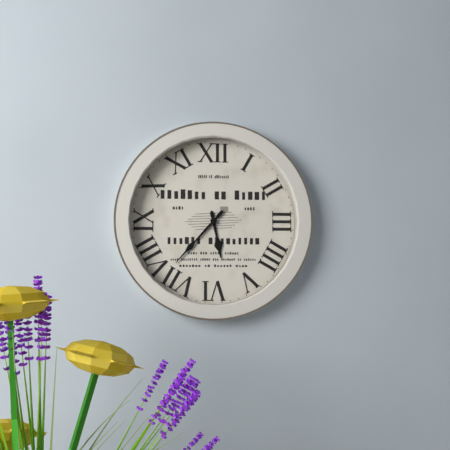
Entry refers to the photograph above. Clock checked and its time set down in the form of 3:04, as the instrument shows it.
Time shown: 5:37
